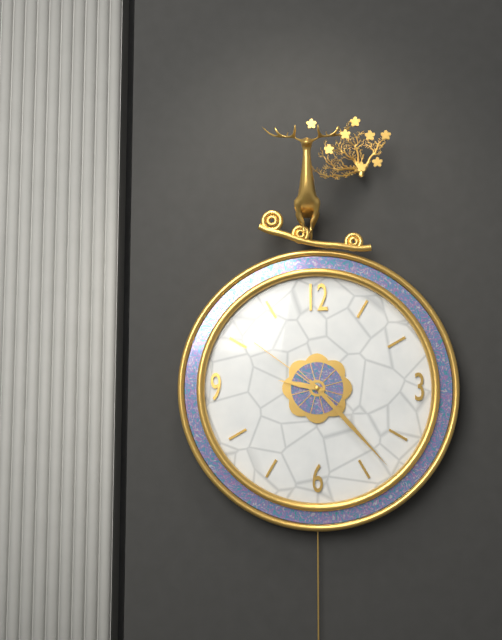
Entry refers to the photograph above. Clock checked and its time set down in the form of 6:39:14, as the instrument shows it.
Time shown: 9:23:51
